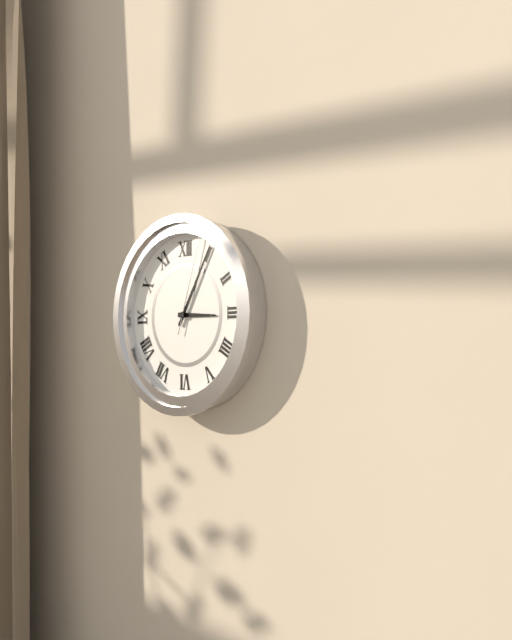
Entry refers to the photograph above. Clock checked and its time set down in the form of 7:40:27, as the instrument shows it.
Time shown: 3:05:03
